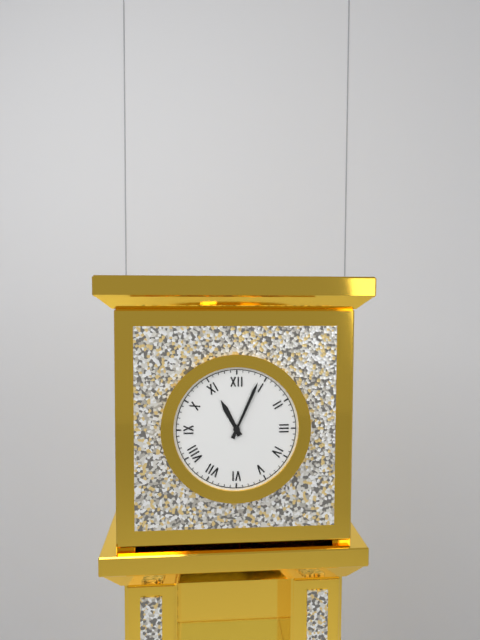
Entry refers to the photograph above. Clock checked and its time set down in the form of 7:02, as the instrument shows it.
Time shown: 11:04
